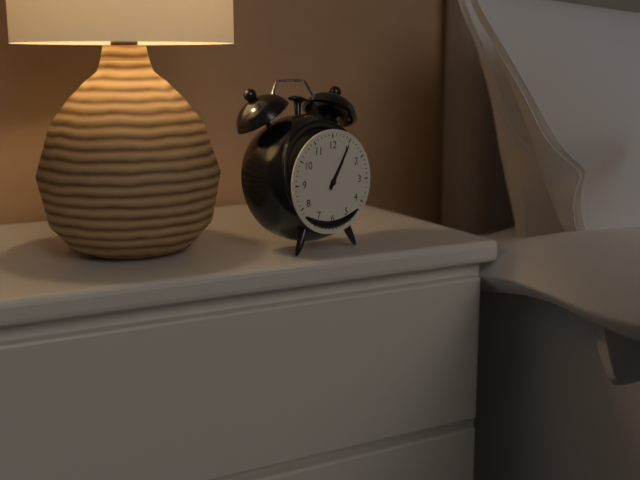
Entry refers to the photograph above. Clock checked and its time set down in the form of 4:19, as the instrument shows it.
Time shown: 1:05
